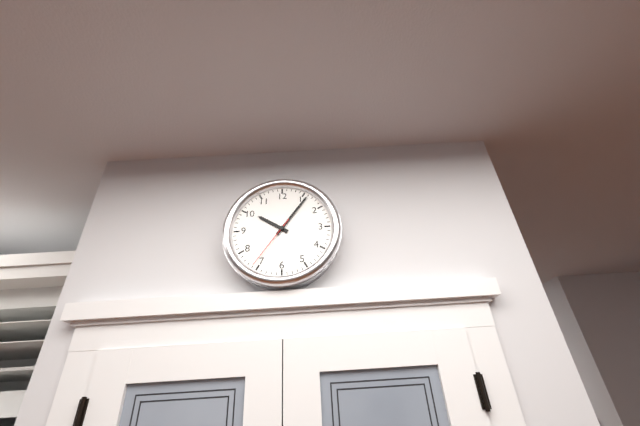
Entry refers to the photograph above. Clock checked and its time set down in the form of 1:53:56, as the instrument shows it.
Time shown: 10:06:36
